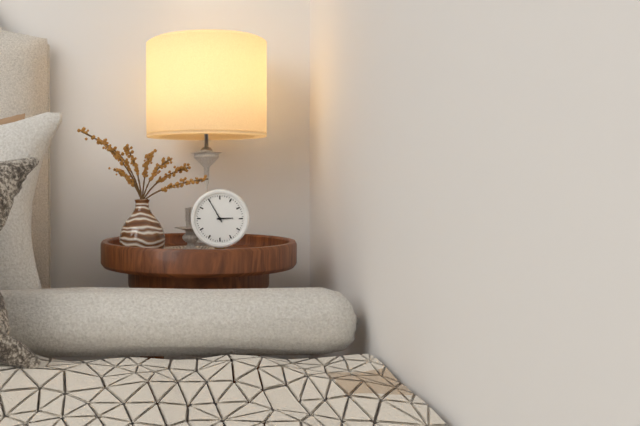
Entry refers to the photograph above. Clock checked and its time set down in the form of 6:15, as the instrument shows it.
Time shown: 2:55
